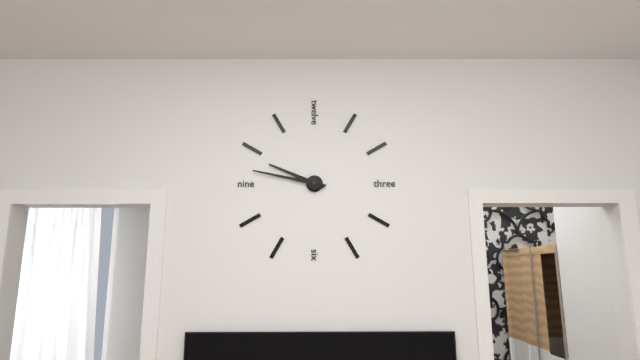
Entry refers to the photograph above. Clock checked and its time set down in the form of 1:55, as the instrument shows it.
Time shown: 9:47
